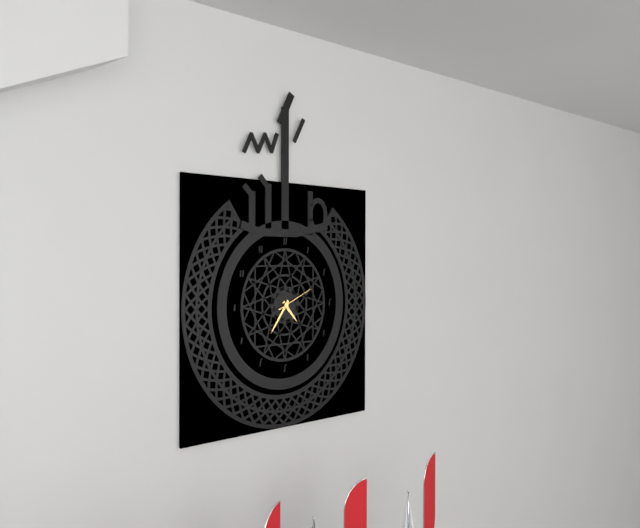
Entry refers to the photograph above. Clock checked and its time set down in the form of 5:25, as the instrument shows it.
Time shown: 4:36
